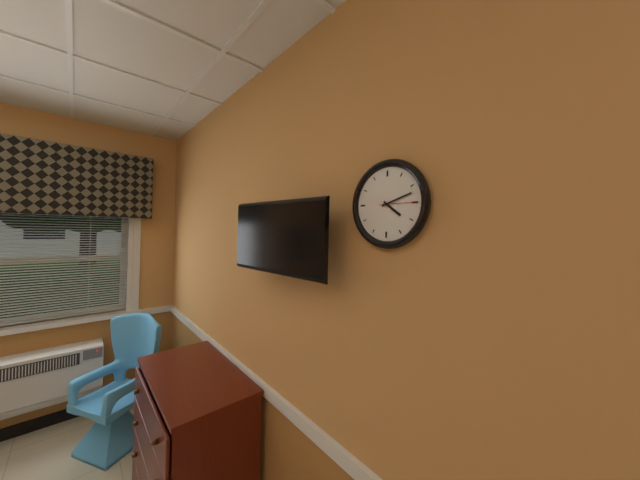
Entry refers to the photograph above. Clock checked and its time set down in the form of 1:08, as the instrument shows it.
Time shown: 4:12
